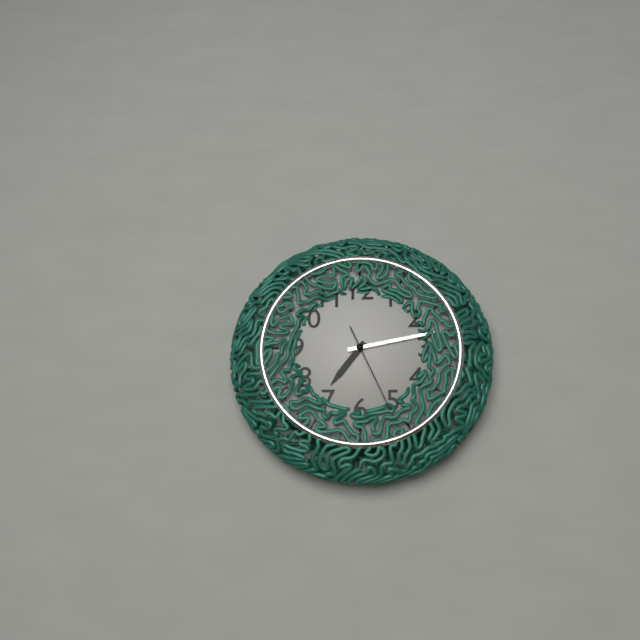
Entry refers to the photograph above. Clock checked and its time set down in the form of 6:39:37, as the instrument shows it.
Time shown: 7:13:26
